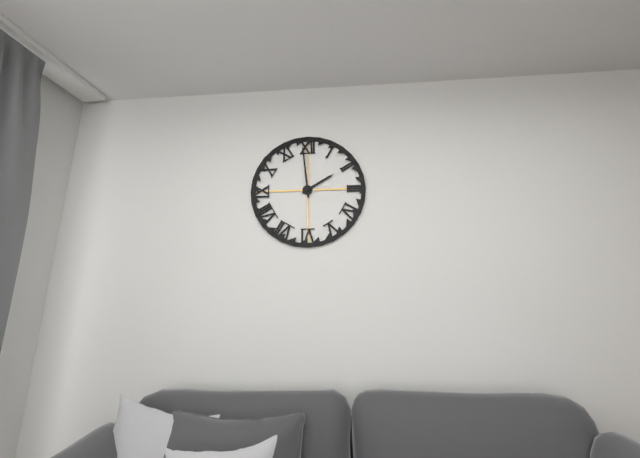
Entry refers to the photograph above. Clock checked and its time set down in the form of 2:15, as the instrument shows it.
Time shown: 1:59
